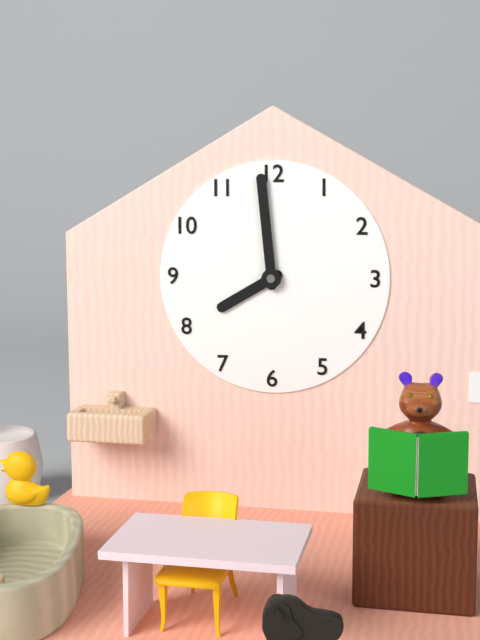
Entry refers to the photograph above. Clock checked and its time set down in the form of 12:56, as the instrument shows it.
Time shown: 7:59
